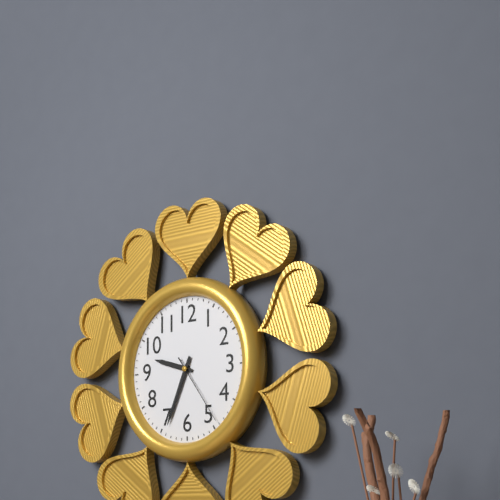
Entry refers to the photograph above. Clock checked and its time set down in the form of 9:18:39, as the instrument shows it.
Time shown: 9:34:24
